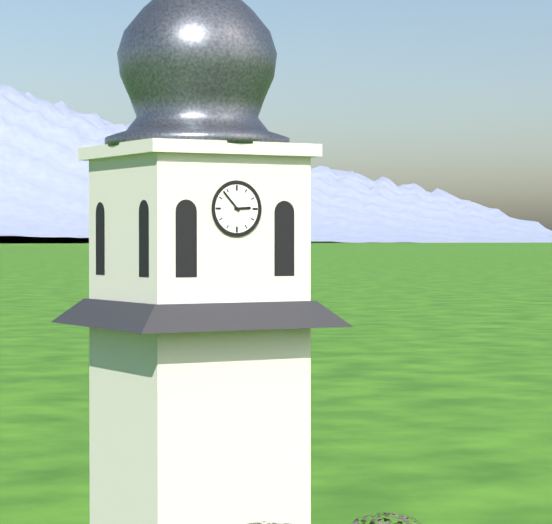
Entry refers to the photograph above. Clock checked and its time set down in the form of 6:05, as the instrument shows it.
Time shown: 2:53
